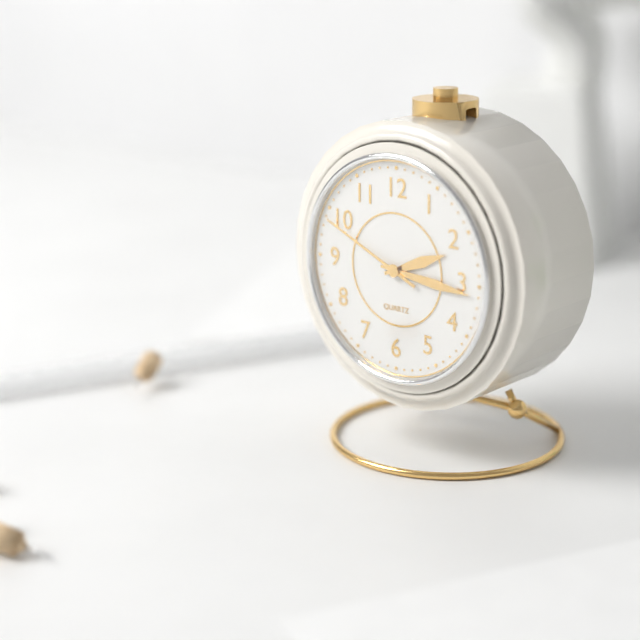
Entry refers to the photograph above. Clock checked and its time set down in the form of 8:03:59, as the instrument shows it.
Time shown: 2:16:49
